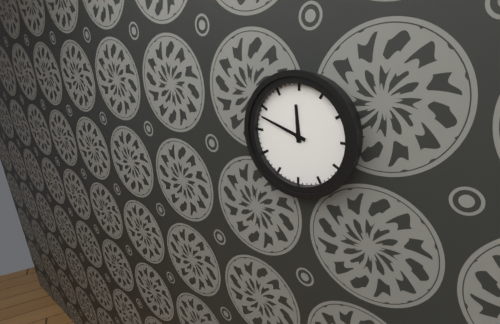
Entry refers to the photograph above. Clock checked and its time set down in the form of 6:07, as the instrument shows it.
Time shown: 11:48
